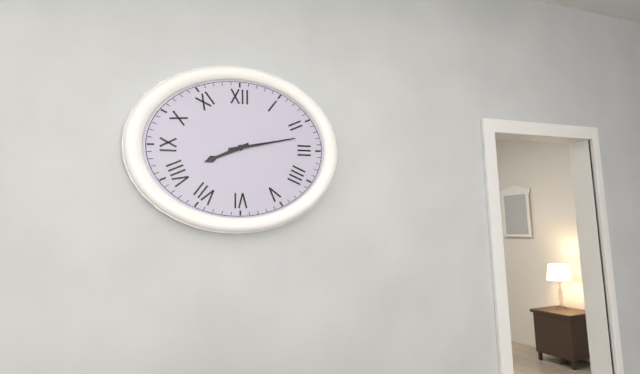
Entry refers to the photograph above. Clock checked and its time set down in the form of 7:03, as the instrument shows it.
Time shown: 8:13
